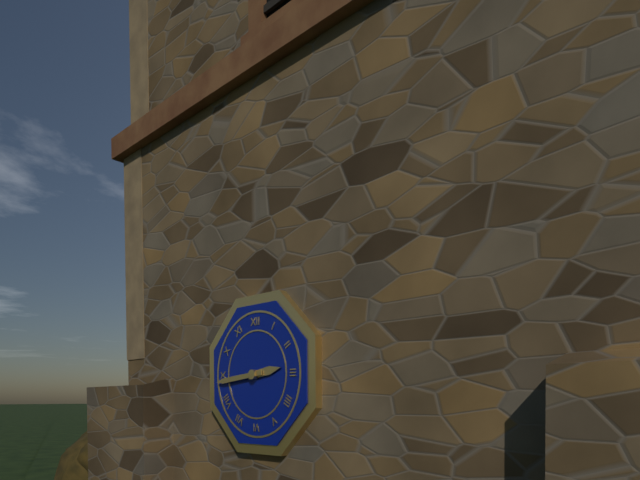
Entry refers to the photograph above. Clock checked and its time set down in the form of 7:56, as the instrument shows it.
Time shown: 2:44
